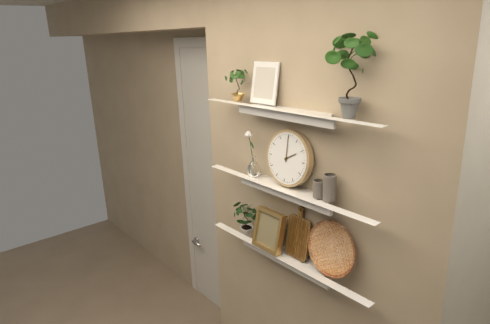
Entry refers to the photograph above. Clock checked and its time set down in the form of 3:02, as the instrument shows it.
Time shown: 2:00
